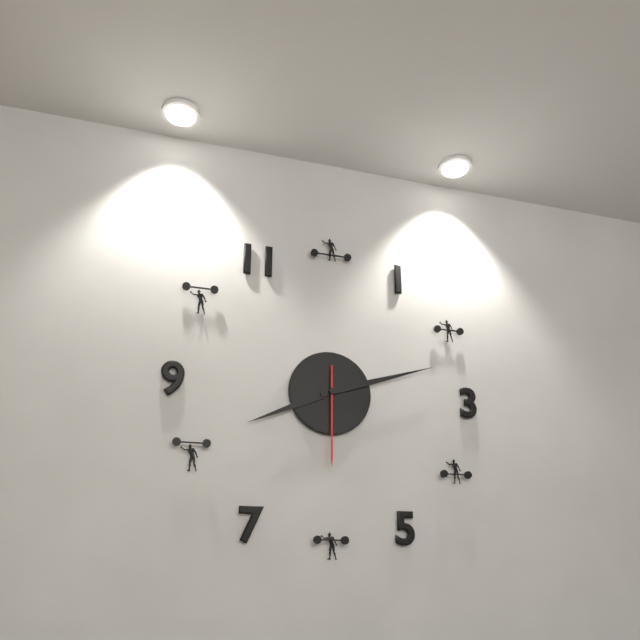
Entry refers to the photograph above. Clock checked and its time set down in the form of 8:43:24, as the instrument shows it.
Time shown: 8:12:30
